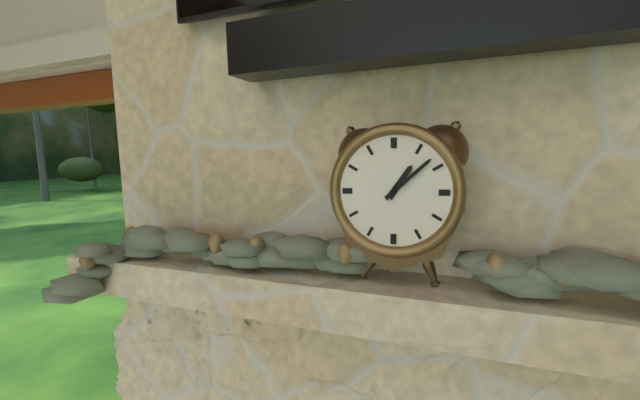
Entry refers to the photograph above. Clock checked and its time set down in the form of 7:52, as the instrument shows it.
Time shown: 1:08
